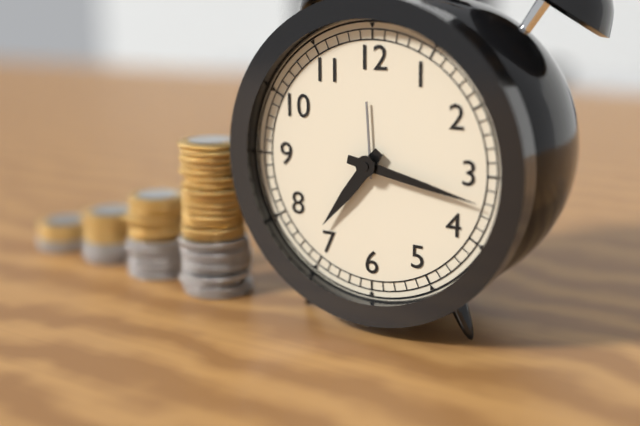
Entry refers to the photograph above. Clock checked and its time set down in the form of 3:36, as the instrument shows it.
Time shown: 7:17
